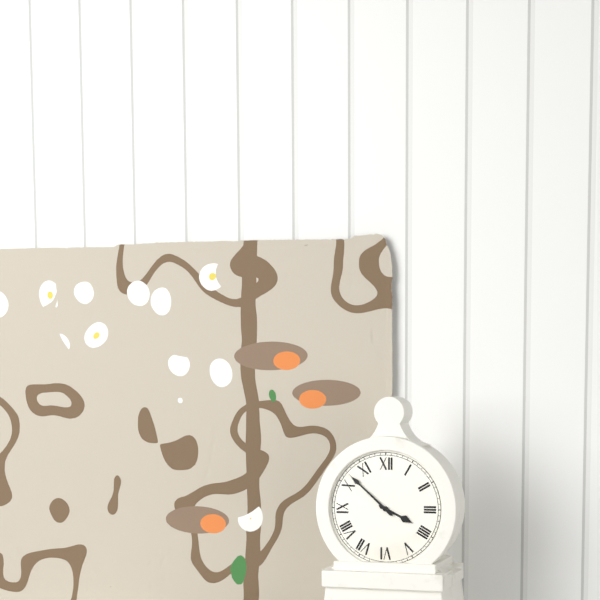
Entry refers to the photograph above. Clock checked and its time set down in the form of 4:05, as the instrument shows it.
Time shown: 3:52
